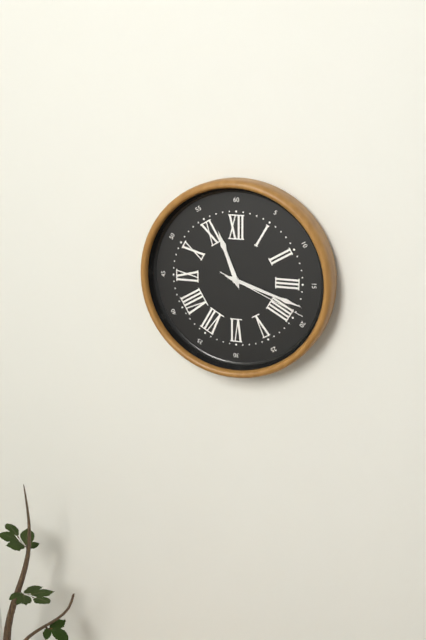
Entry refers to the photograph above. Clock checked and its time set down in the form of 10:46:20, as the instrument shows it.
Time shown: 11:18:19
